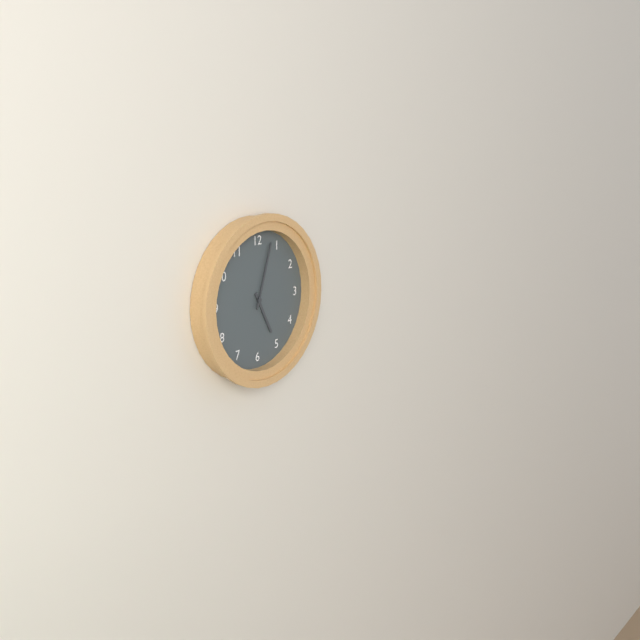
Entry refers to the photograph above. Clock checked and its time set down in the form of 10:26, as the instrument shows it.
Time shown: 5:03
